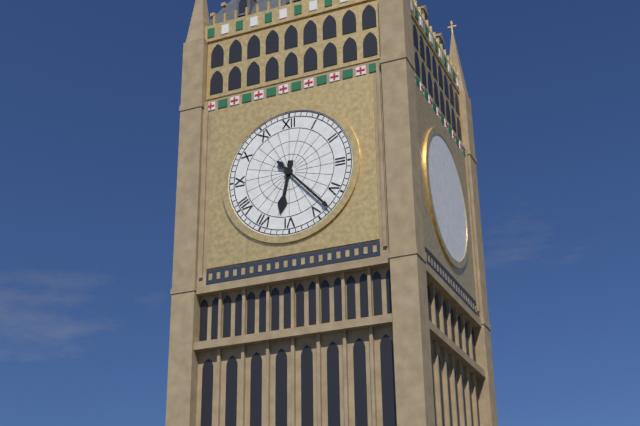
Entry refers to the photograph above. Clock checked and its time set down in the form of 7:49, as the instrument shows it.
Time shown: 6:23
